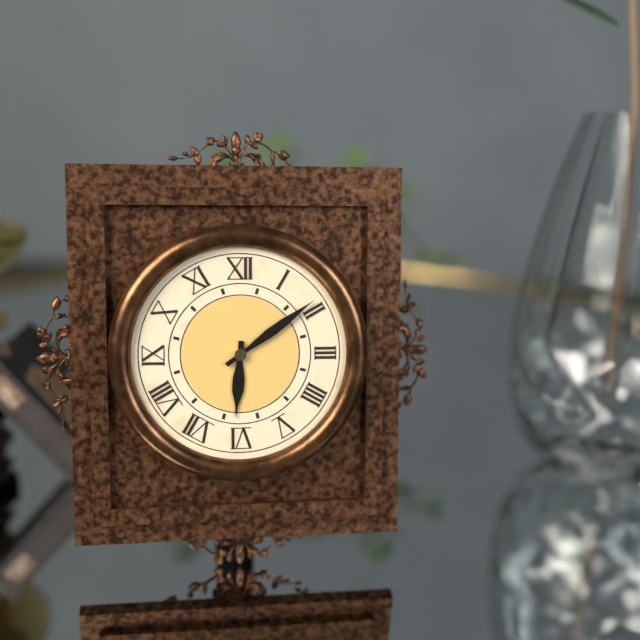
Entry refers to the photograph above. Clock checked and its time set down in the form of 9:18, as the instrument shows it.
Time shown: 6:09
